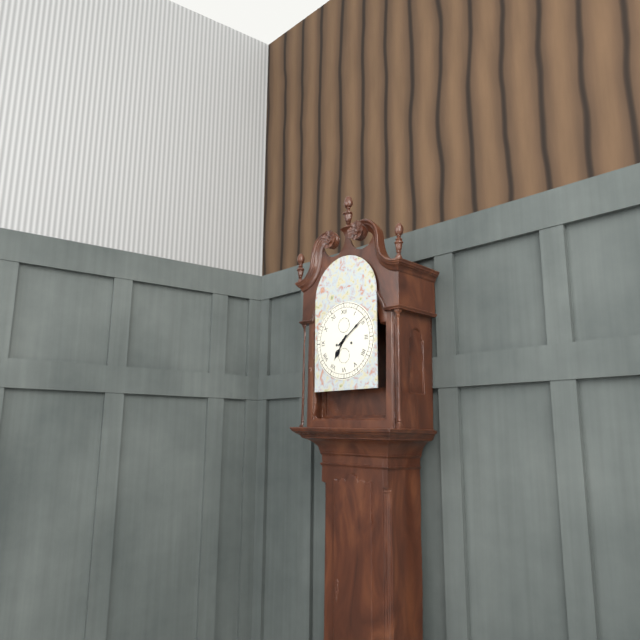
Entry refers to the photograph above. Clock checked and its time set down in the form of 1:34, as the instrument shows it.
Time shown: 7:09
